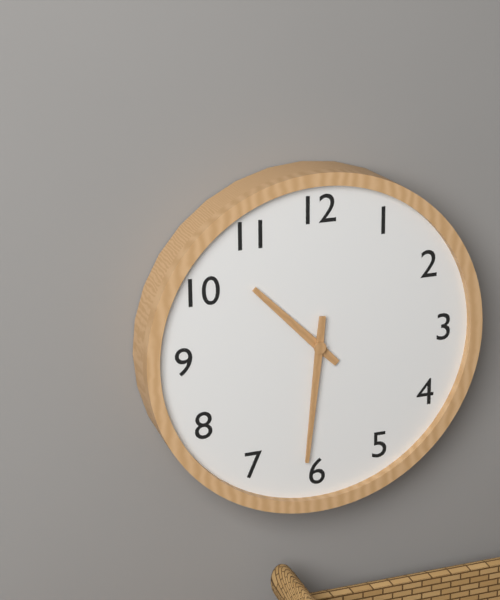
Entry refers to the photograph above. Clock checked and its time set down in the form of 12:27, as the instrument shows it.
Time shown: 10:31
